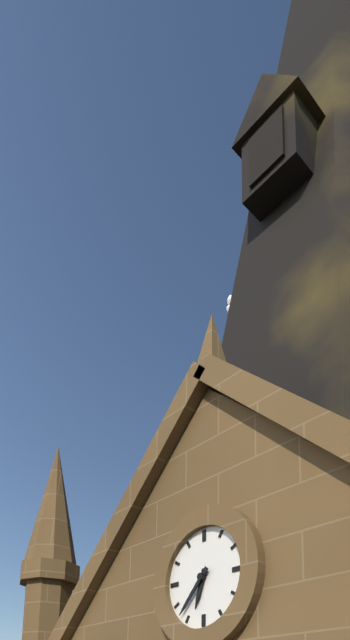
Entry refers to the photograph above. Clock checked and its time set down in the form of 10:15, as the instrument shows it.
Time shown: 6:37
